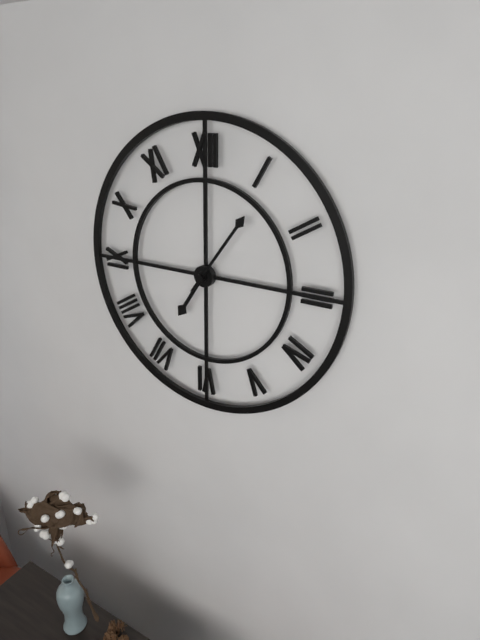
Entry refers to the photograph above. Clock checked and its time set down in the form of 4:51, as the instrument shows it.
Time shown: 7:06
